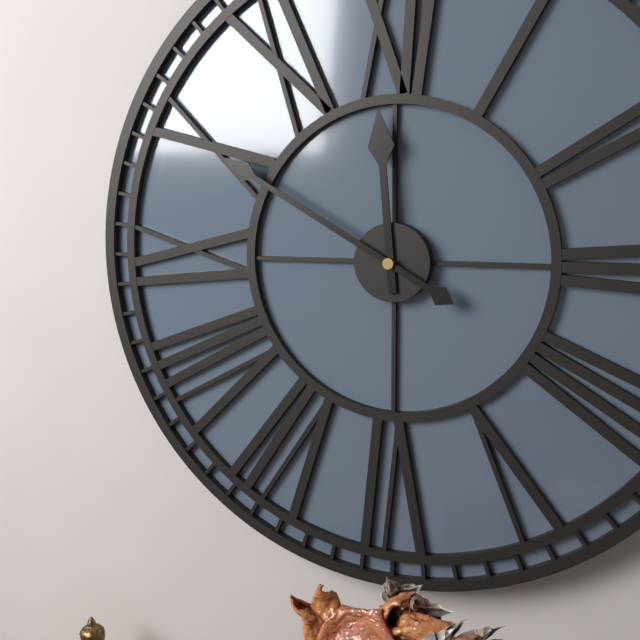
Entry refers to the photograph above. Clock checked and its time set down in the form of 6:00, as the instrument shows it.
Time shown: 11:50
